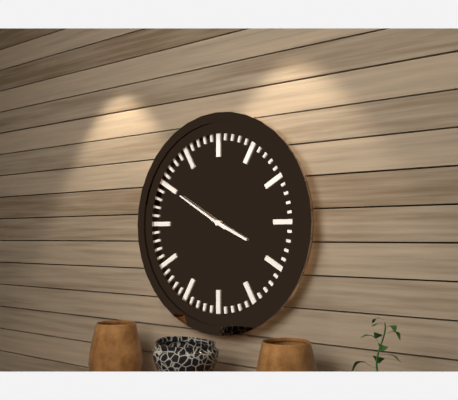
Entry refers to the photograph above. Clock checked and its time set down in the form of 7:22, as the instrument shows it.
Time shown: 3:50
